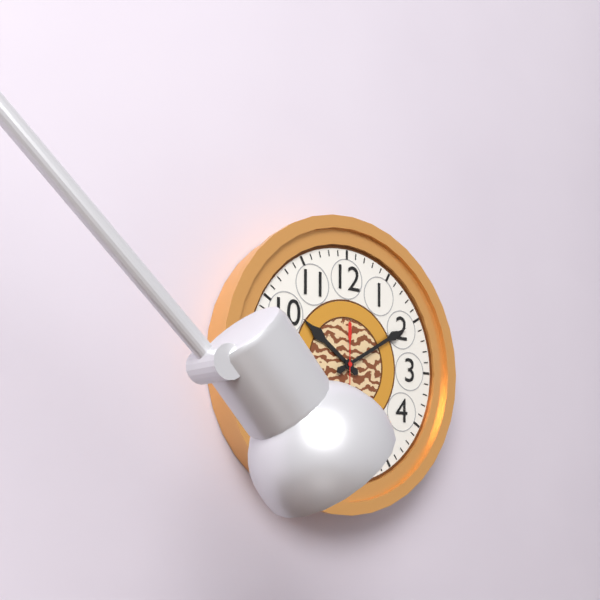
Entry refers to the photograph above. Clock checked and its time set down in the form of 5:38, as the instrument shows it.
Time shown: 10:10
